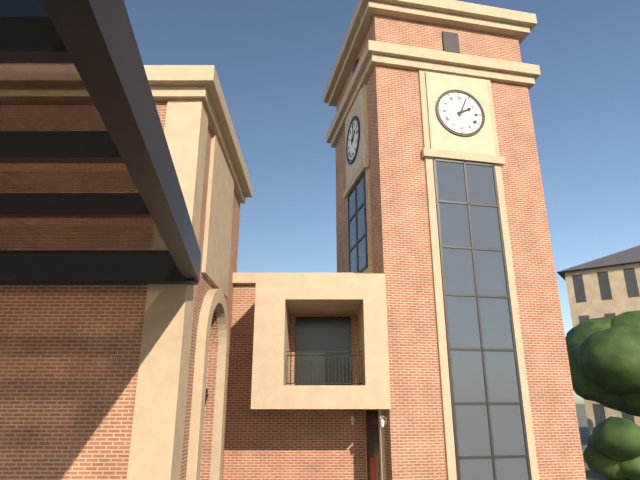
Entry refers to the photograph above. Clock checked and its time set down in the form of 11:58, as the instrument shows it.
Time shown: 2:04
